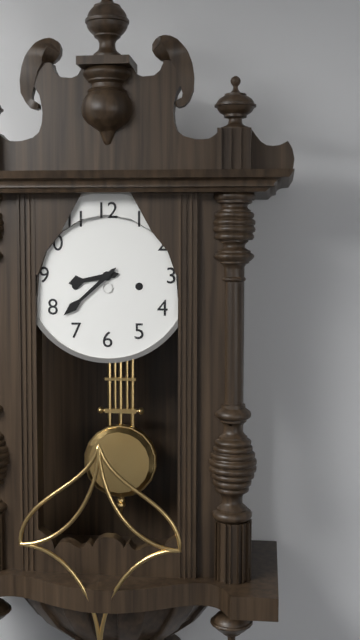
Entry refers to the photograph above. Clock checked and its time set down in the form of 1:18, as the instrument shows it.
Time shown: 8:38
